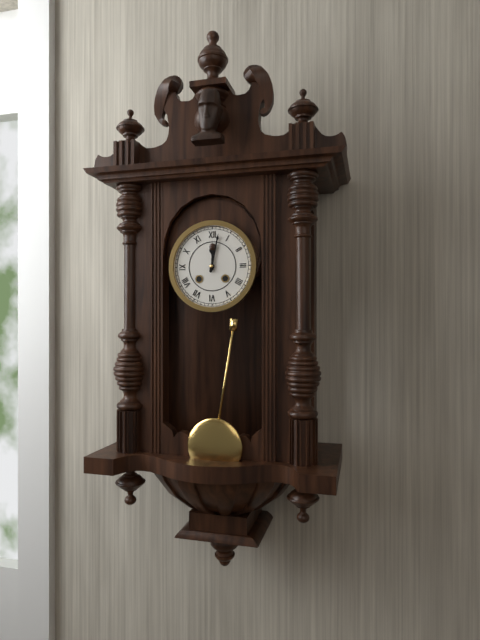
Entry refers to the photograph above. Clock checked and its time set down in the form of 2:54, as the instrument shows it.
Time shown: 12:02
